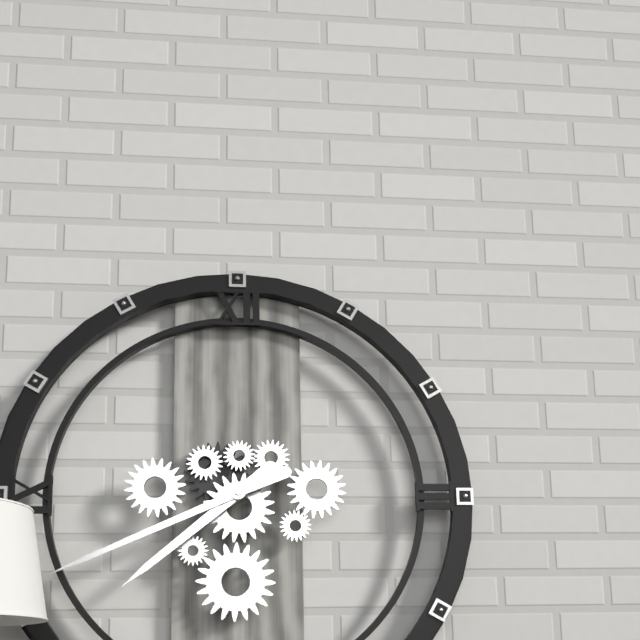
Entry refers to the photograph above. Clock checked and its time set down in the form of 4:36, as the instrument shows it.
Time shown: 7:41
